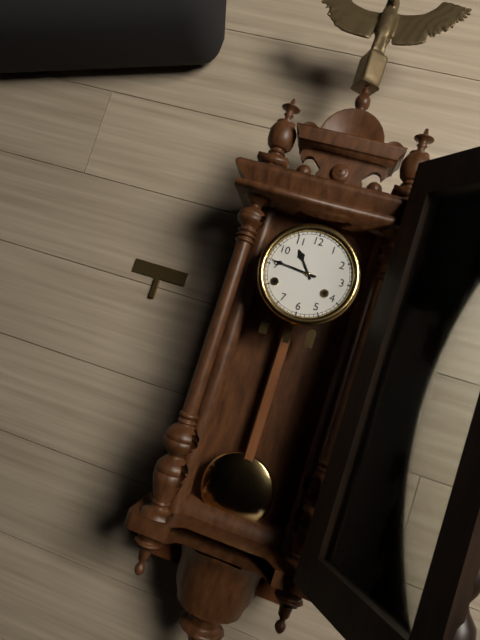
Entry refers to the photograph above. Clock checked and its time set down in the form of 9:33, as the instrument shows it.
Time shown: 10:46
